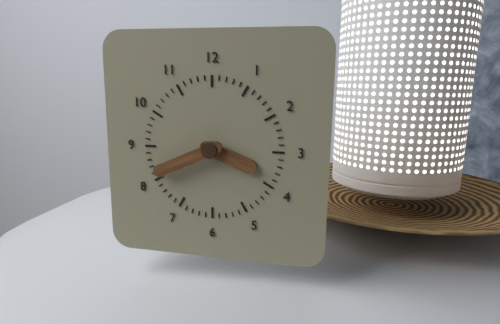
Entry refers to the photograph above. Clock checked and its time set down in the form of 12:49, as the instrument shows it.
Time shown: 3:41
